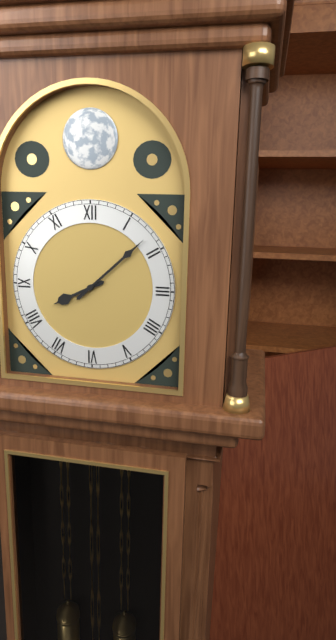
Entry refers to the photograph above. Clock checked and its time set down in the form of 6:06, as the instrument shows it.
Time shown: 8:08
